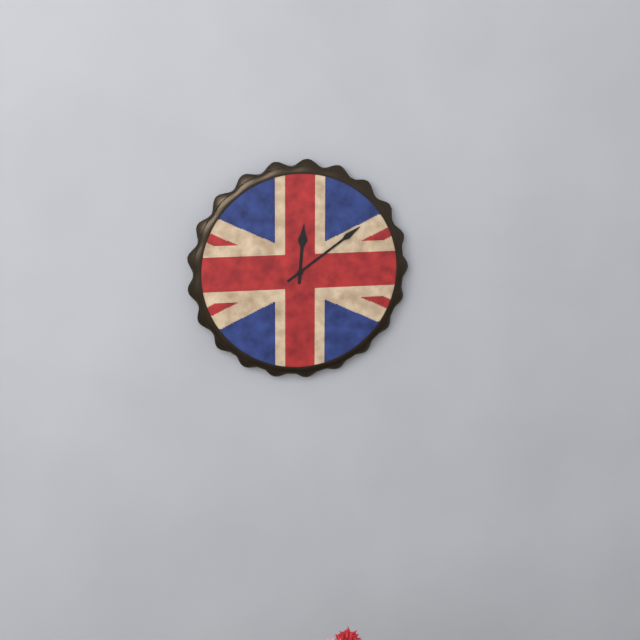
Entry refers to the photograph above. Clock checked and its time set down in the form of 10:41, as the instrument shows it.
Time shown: 12:09
